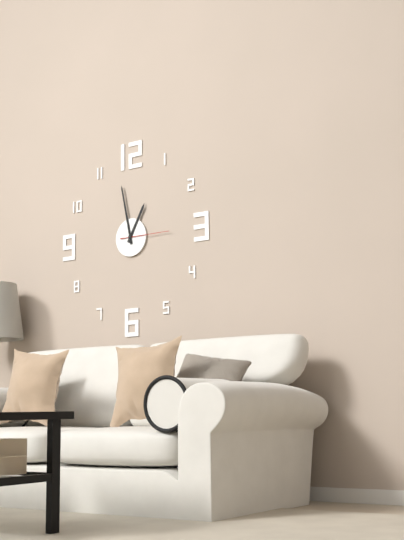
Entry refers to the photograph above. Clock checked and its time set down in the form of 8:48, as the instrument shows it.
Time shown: 12:58
